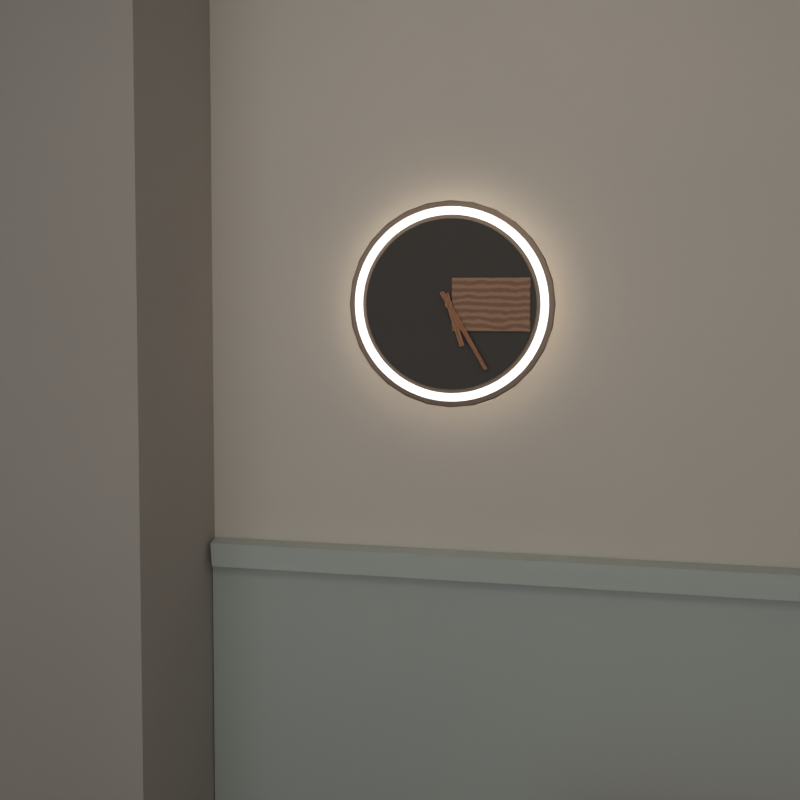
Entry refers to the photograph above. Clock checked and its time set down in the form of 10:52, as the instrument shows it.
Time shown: 5:25
